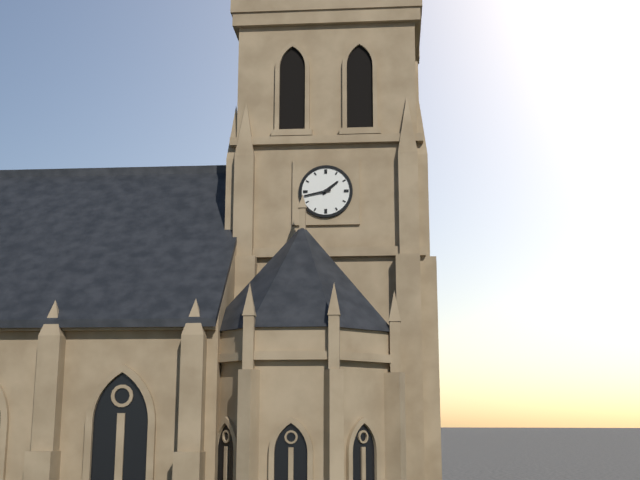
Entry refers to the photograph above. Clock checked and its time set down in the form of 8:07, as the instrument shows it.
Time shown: 1:43
